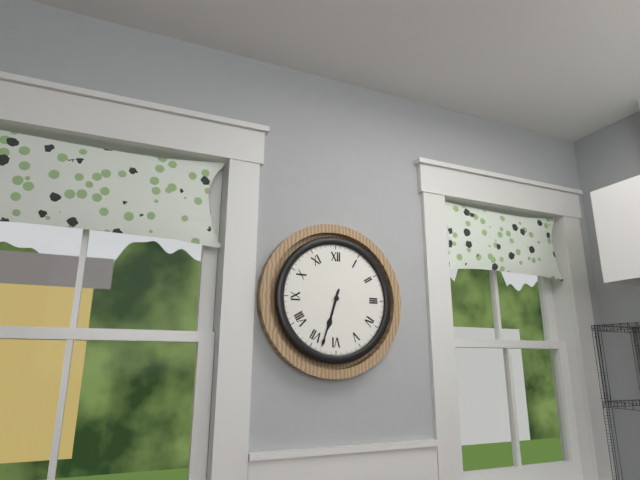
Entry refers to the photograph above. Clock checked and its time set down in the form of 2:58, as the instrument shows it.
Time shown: 6:33
